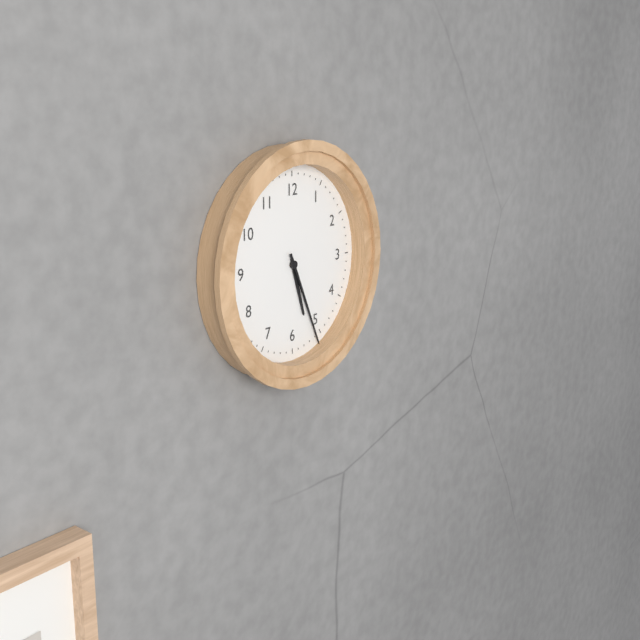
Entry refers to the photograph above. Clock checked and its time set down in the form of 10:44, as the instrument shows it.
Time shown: 5:26
